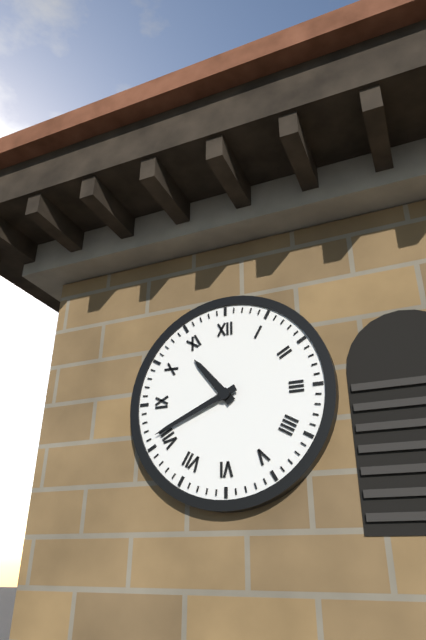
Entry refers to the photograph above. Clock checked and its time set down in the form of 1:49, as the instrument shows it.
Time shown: 10:41
